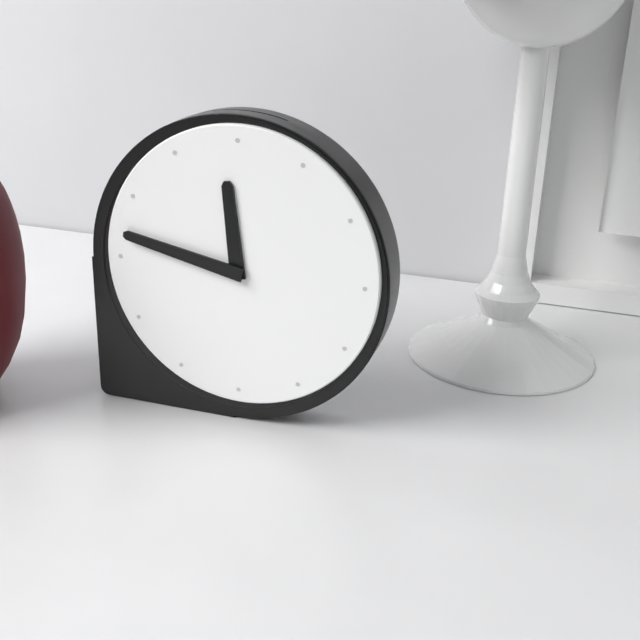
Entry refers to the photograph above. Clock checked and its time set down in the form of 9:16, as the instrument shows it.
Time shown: 11:47
